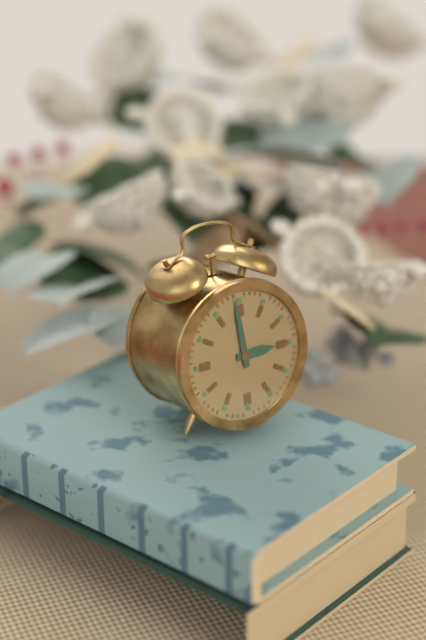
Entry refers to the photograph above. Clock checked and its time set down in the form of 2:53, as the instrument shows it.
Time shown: 2:59
